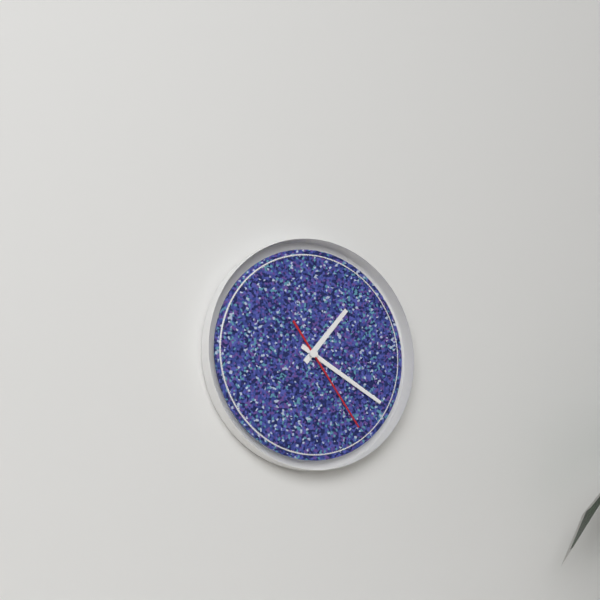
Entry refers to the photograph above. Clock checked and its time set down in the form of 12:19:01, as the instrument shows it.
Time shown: 1:20:24
